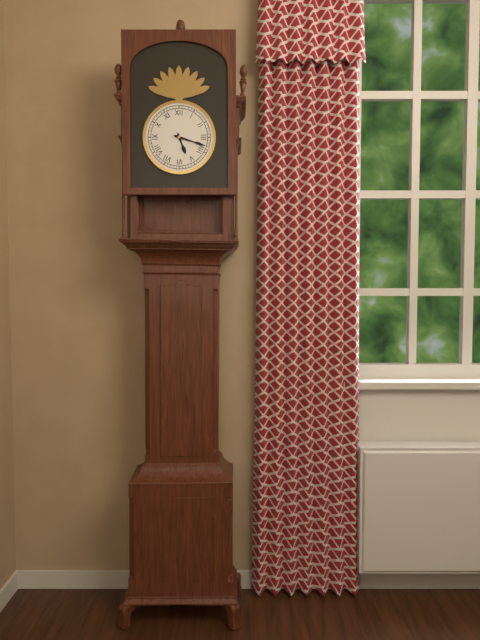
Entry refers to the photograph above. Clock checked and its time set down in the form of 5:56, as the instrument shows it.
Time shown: 5:18
